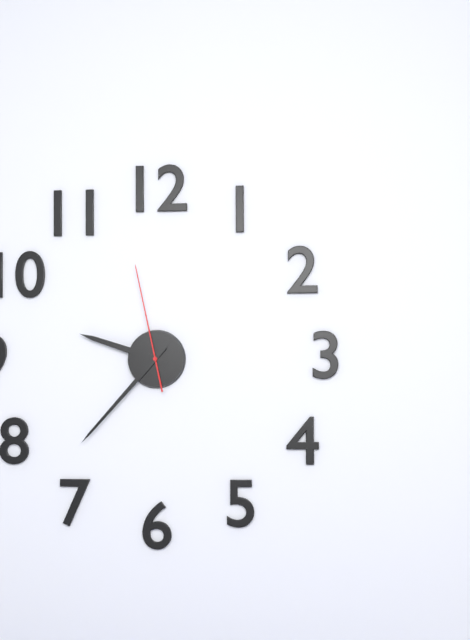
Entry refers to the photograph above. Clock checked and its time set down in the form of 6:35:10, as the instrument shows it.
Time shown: 9:37:58
